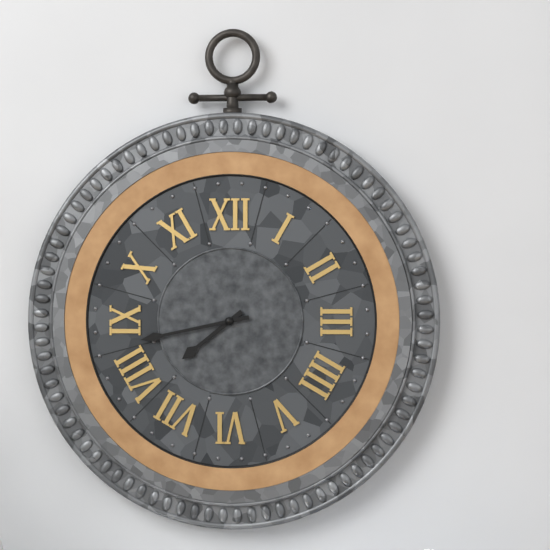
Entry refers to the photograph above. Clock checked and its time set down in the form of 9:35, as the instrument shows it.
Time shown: 7:43
